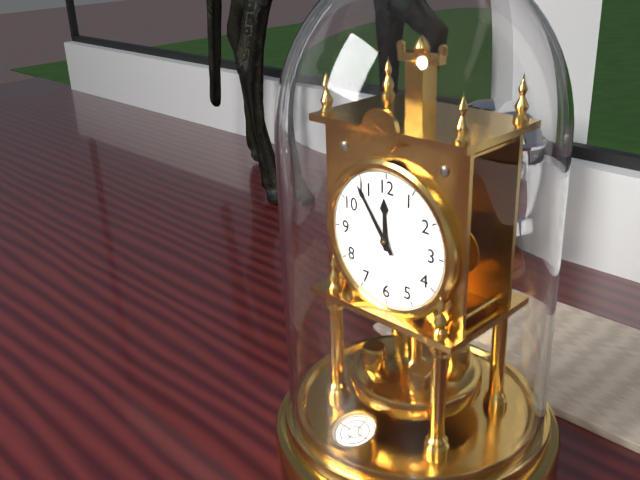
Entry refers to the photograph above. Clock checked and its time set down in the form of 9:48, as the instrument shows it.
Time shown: 11:54
